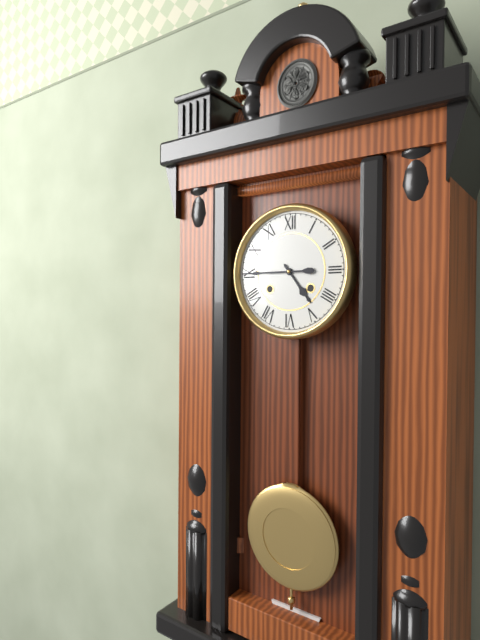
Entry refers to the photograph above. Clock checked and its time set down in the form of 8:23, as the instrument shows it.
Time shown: 4:45
